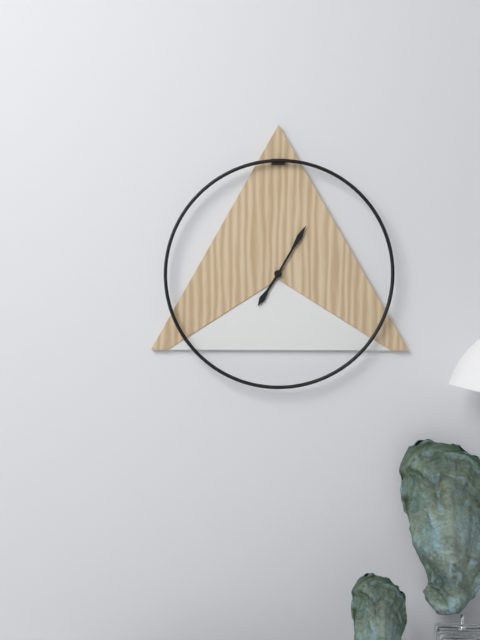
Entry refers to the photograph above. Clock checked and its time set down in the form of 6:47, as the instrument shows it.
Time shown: 7:05
